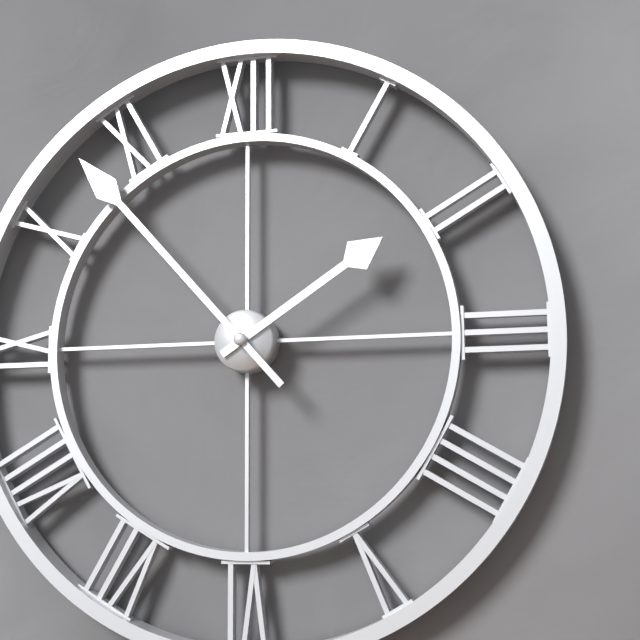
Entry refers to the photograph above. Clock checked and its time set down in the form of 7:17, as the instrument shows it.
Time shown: 1:53
